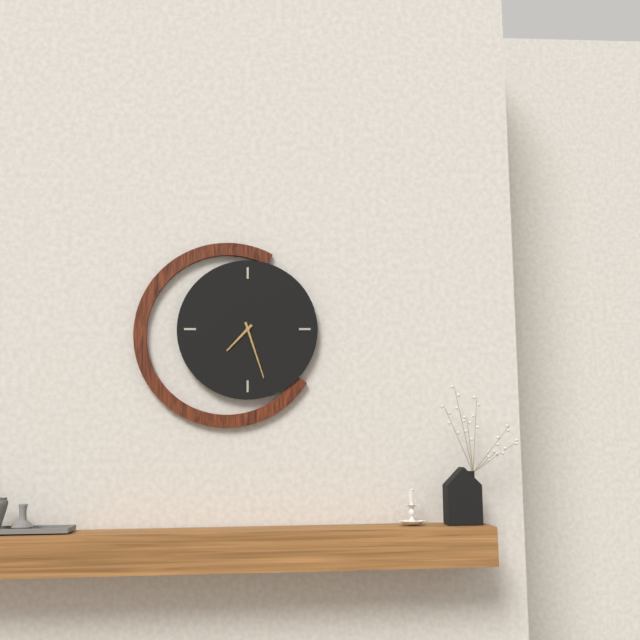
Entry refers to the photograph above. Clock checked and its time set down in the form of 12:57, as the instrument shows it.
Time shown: 7:27
